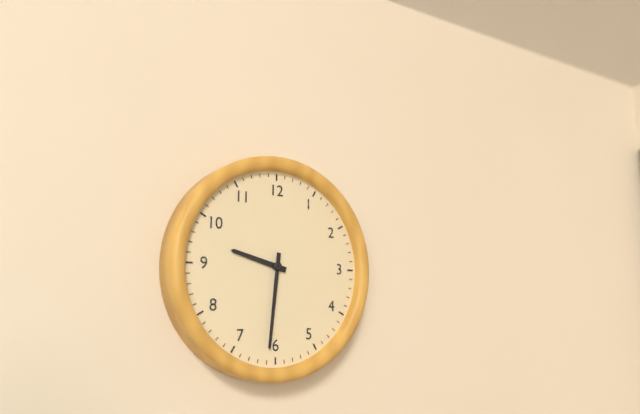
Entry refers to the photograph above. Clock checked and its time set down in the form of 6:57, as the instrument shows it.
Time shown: 9:31
